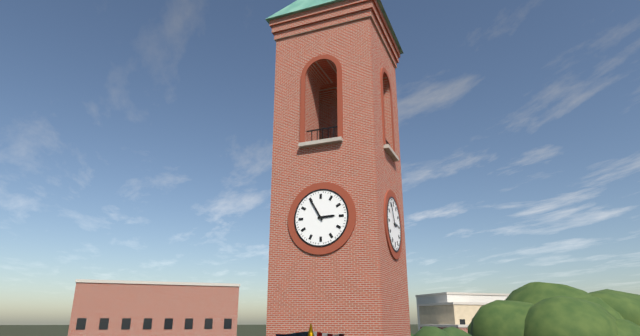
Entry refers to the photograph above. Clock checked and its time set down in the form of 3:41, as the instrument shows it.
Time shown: 2:55
